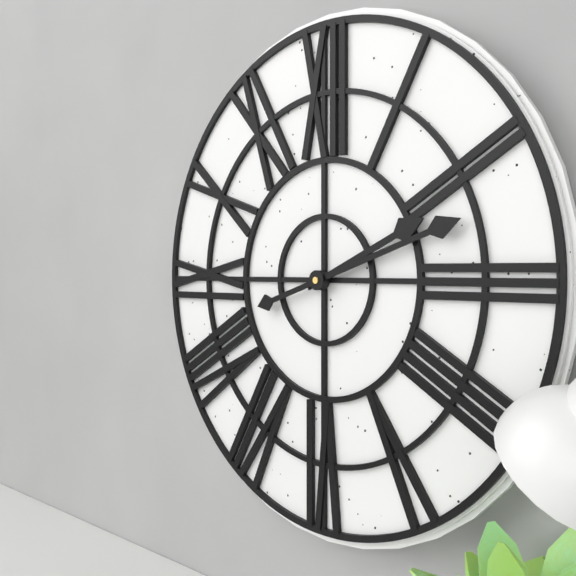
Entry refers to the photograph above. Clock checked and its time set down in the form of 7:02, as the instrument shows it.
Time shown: 2:12
